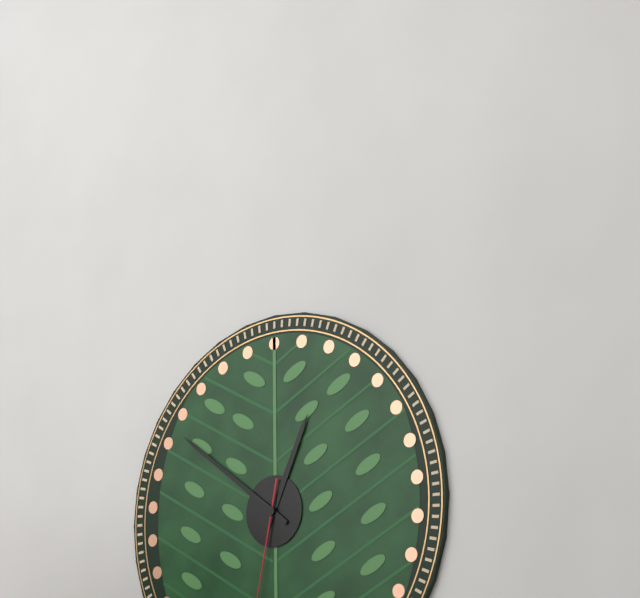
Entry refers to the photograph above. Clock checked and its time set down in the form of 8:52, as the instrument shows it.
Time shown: 12:51
